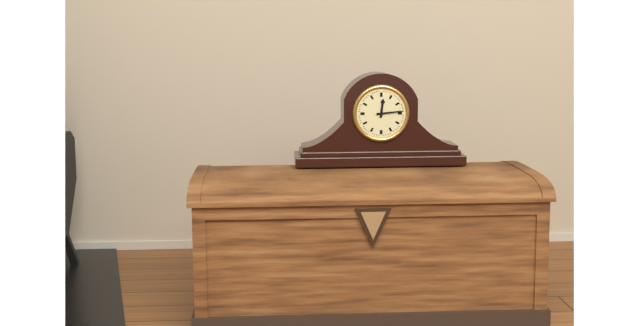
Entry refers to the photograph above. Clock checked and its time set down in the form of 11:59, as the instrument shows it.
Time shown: 12:14
